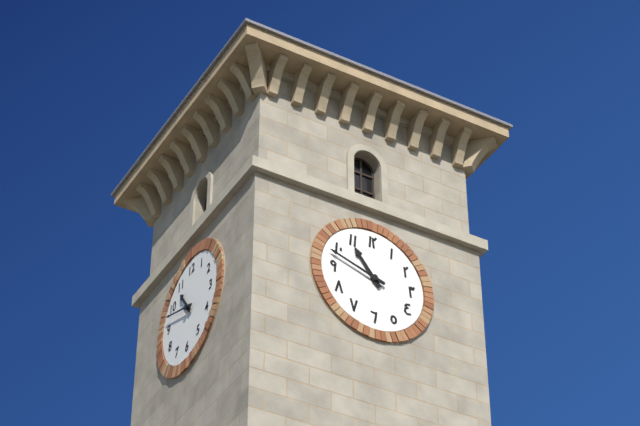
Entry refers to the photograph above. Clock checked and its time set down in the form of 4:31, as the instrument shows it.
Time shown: 10:48
